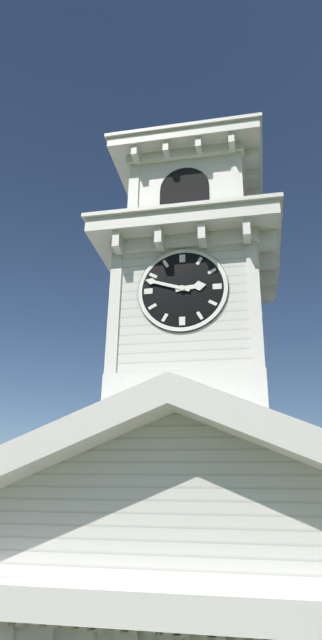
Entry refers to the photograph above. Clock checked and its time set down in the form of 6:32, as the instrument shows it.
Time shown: 2:48
